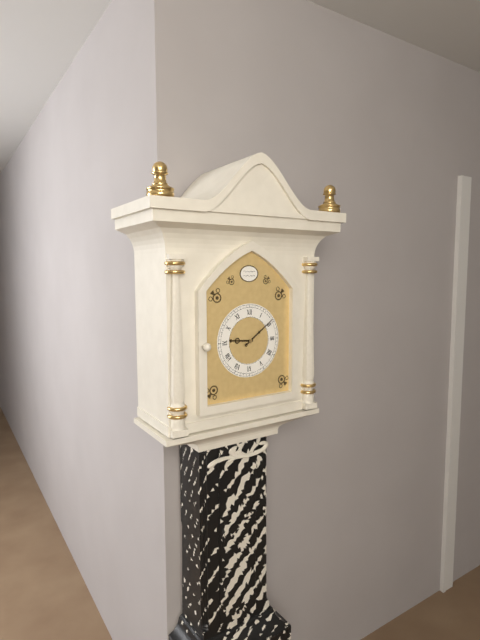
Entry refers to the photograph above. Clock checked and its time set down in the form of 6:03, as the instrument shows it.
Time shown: 9:09
